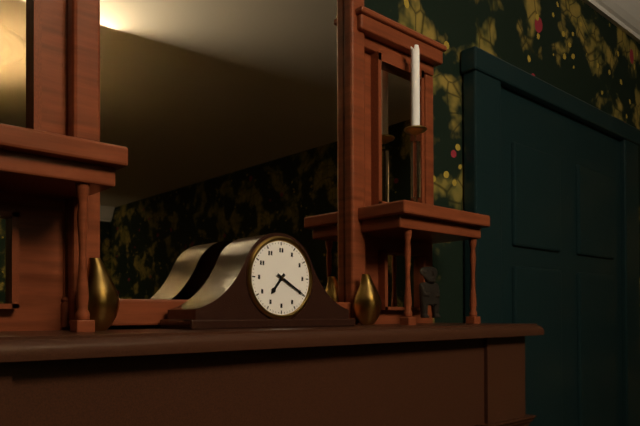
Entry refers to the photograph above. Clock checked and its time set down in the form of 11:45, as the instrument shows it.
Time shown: 7:20
